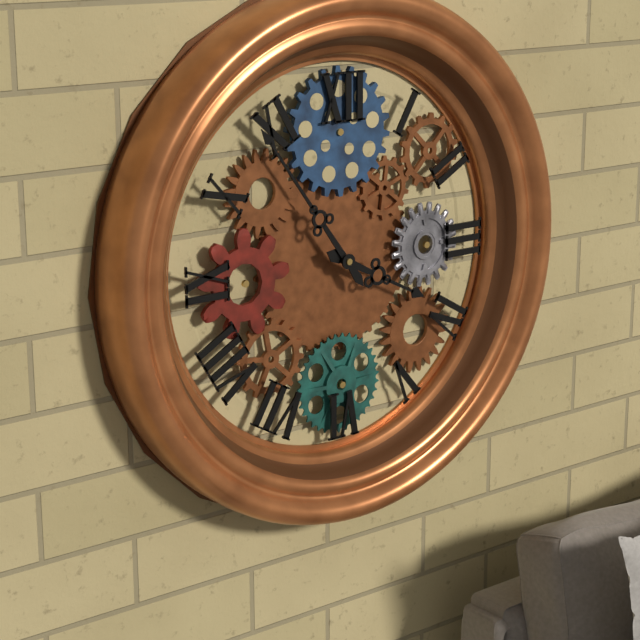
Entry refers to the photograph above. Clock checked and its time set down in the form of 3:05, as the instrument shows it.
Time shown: 3:54
